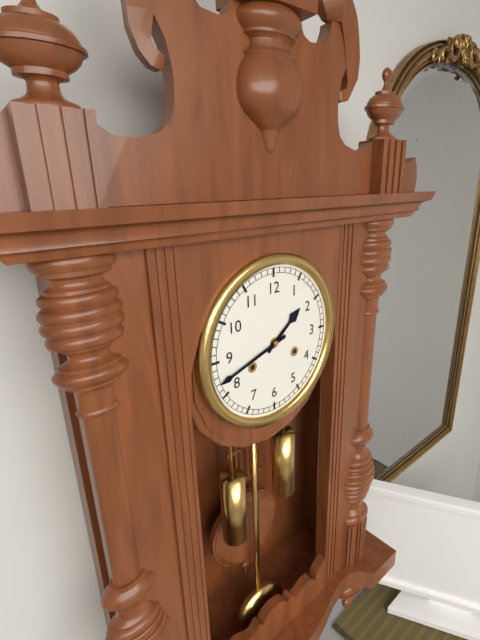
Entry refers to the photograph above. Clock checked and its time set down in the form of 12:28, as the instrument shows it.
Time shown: 1:42
